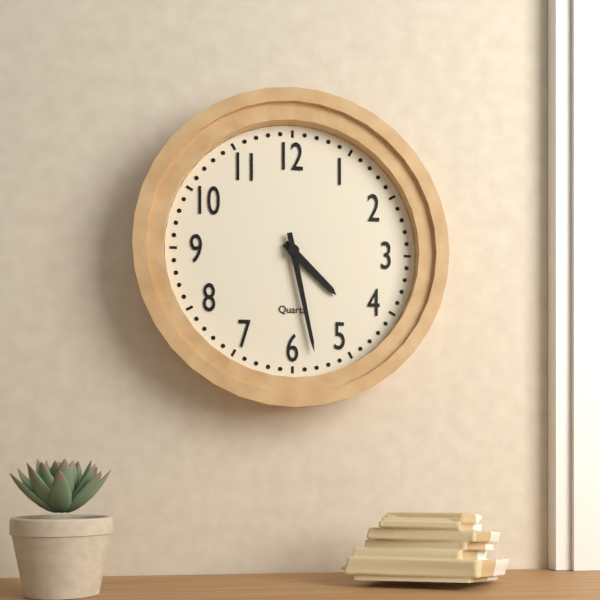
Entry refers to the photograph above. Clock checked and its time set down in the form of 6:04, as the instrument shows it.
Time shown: 4:28
